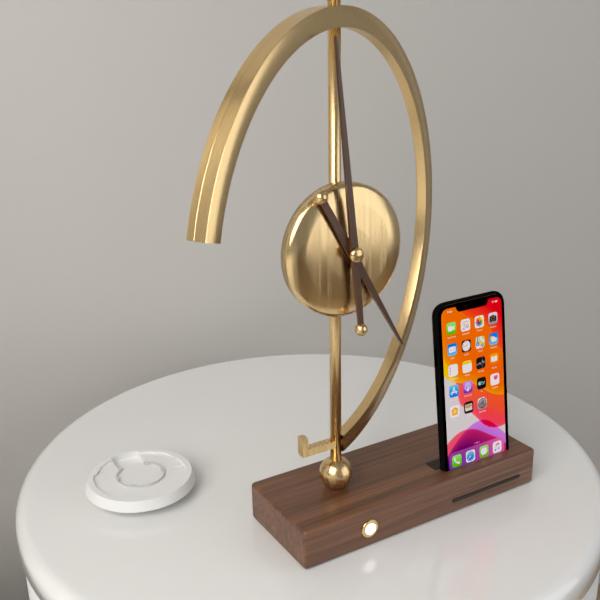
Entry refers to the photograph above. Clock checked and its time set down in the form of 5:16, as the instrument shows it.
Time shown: 4:59
